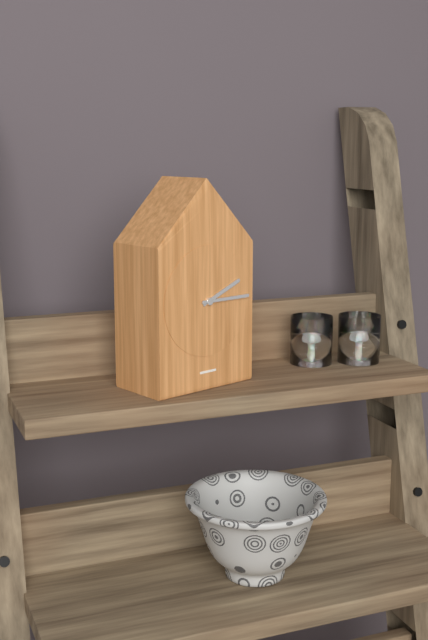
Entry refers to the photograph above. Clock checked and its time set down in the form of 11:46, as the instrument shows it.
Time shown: 2:15
